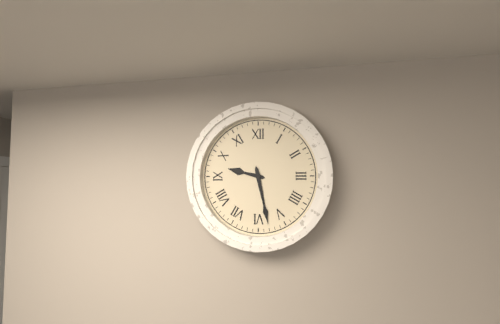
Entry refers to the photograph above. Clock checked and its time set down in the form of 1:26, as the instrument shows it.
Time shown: 9:28
